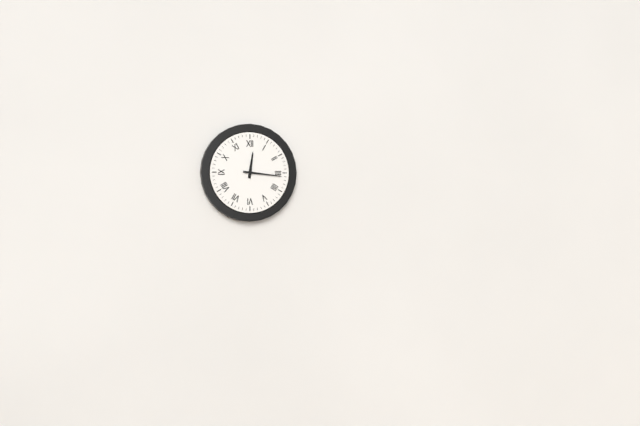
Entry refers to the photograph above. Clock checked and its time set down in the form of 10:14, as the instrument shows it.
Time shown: 12:16
